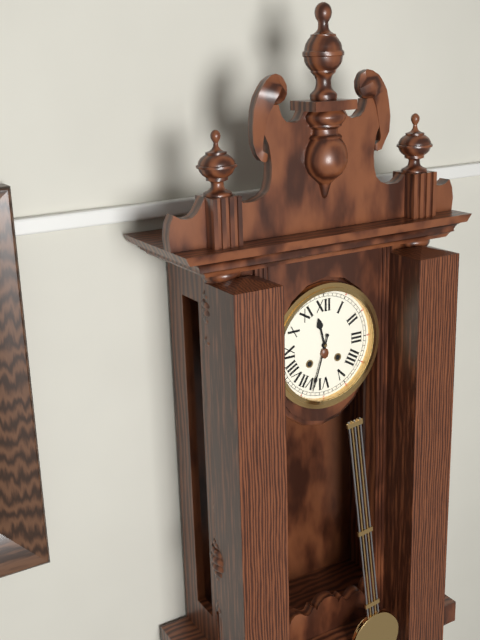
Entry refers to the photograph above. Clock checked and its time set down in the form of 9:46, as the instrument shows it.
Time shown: 11:33
